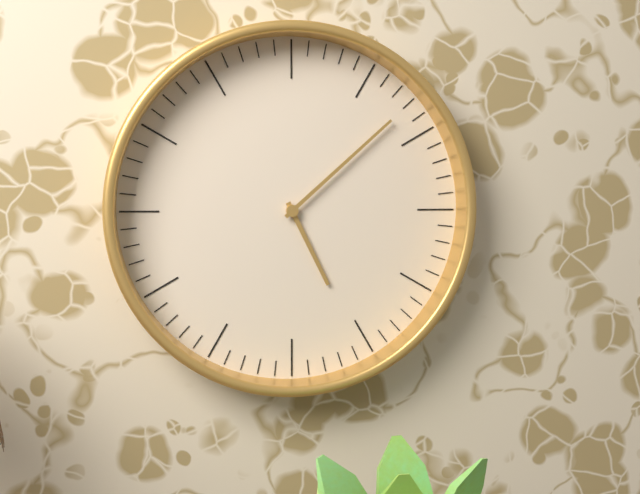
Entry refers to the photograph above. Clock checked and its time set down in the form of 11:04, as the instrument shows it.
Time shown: 5:08
